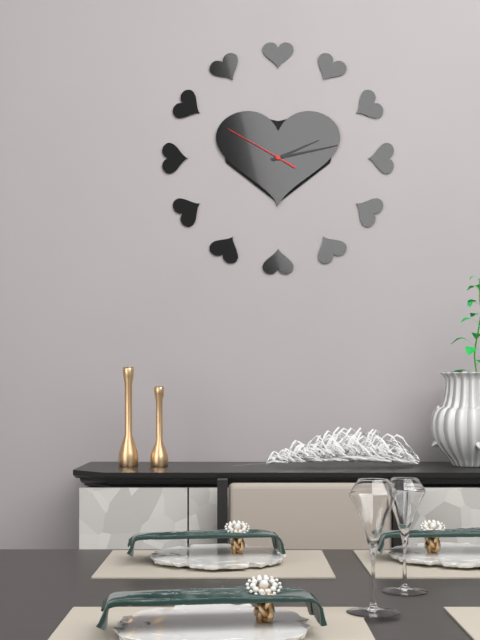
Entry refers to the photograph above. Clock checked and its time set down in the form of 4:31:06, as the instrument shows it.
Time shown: 2:13:50
